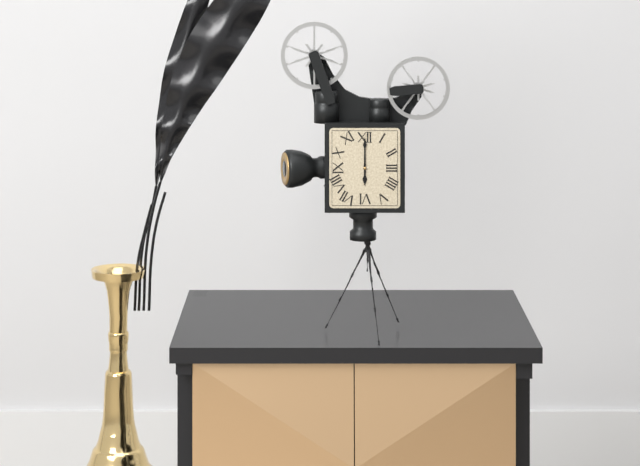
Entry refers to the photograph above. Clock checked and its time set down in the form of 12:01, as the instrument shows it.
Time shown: 6:00
